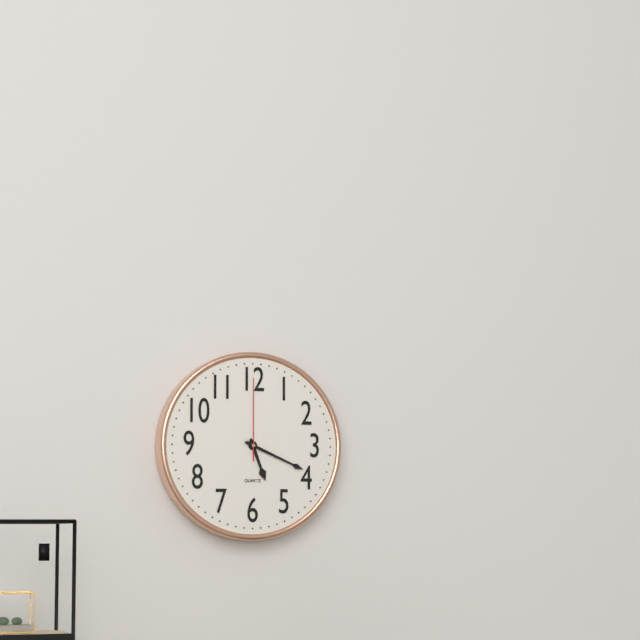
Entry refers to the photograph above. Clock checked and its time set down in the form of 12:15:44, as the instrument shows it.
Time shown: 5:19:00
